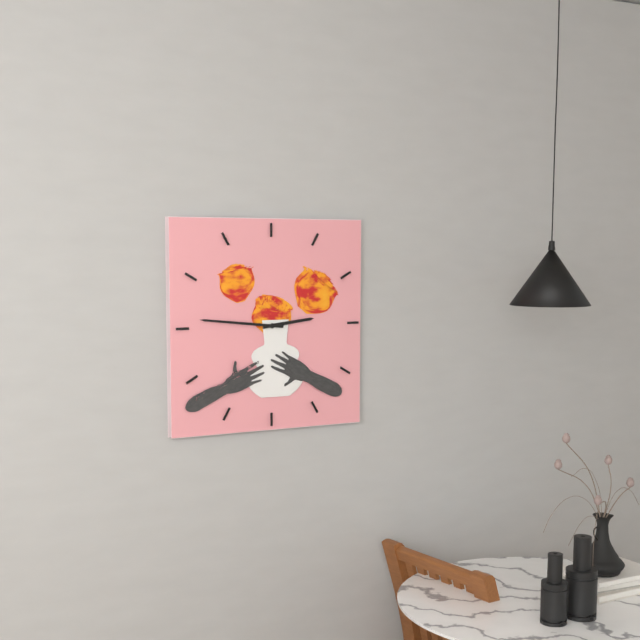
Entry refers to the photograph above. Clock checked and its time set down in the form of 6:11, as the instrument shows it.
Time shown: 2:46
